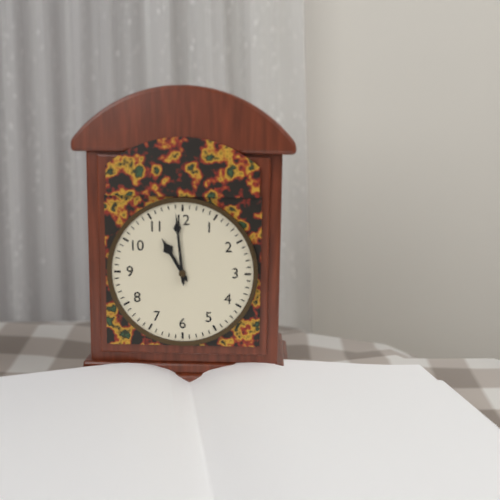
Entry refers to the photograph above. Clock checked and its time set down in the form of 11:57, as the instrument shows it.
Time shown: 10:59
